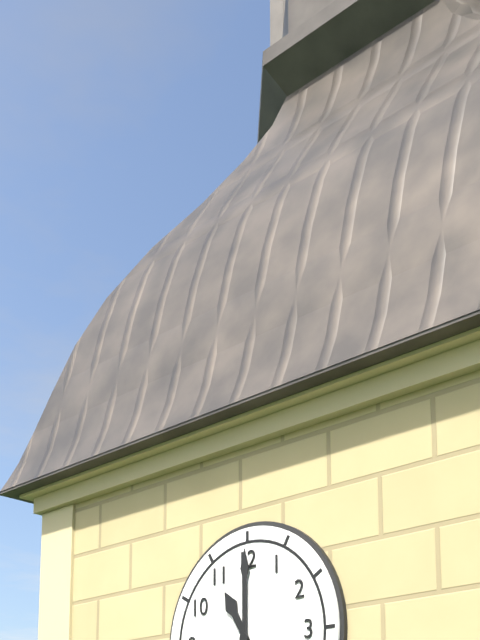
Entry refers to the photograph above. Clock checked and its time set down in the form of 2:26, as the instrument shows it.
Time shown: 11:00
